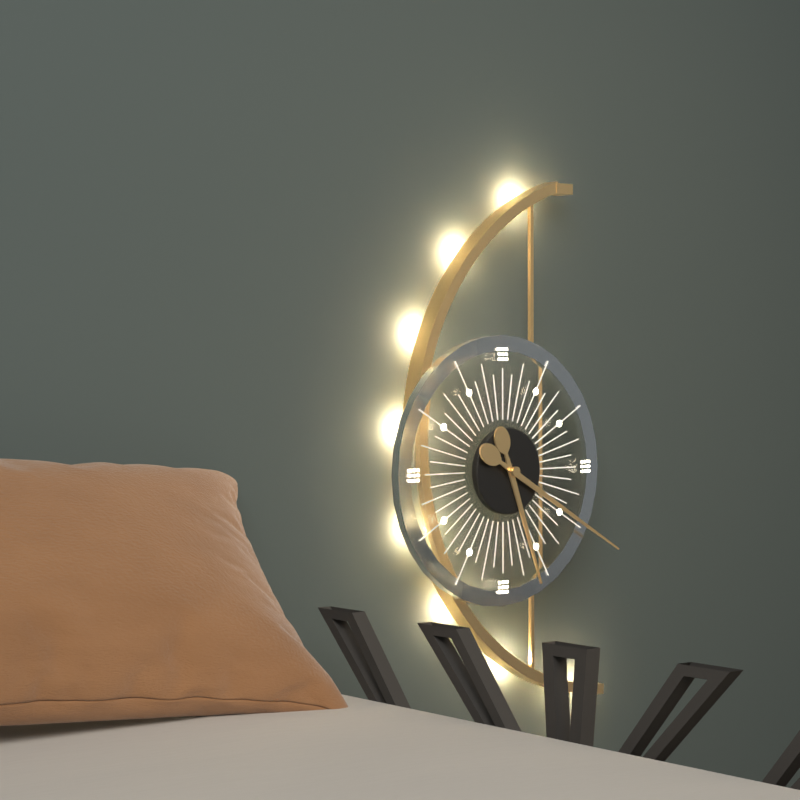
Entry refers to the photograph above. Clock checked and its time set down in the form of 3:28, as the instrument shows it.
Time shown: 5:20
